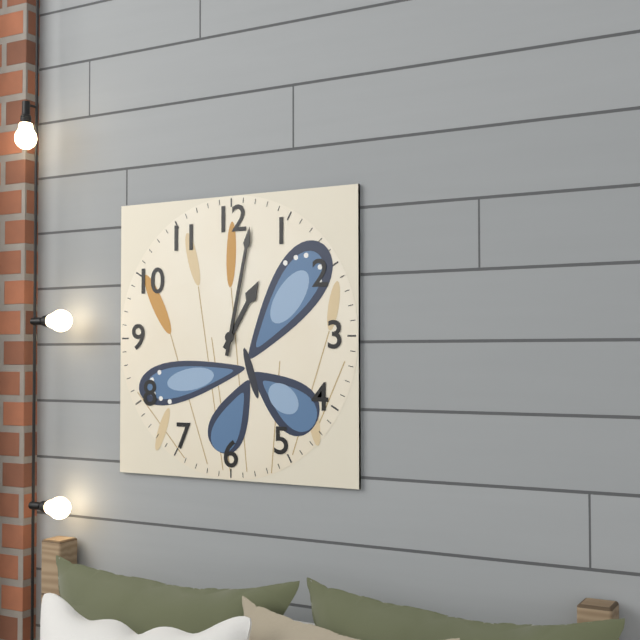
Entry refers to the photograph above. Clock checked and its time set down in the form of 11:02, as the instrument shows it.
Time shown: 1:02
